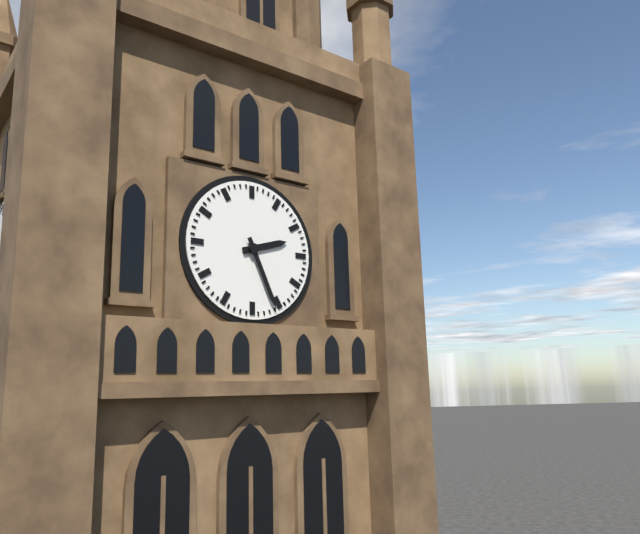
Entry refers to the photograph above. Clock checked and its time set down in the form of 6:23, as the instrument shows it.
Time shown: 2:26
